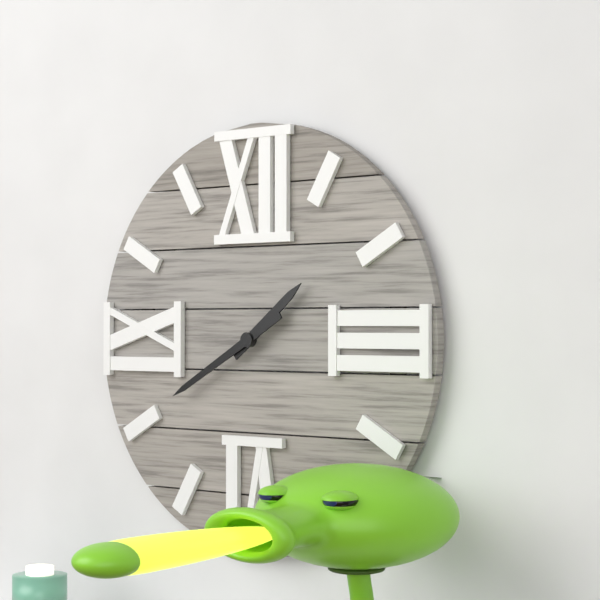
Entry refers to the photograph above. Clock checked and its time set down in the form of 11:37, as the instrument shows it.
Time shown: 1:40
